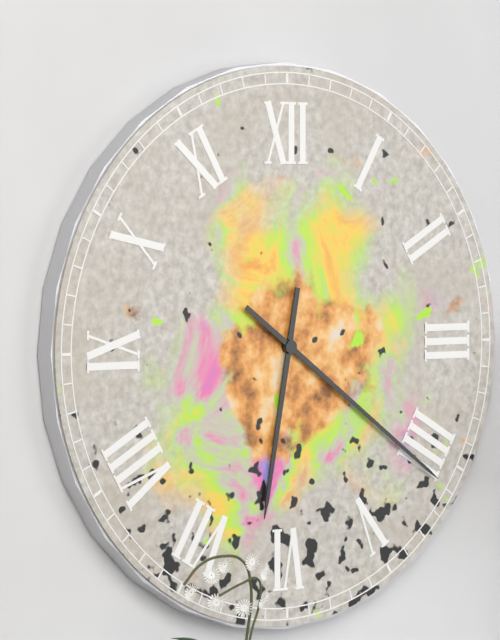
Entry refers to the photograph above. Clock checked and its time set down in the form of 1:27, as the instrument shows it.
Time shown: 6:21
